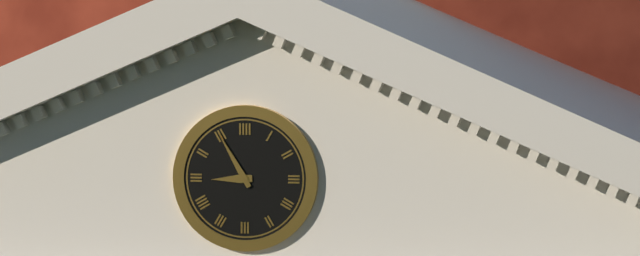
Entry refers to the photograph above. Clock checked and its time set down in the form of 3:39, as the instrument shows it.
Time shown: 8:55
